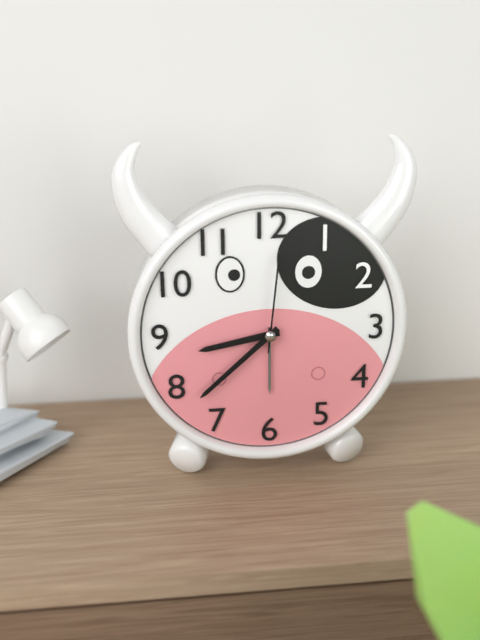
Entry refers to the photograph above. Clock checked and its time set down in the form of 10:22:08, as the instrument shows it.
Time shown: 8:38:01
